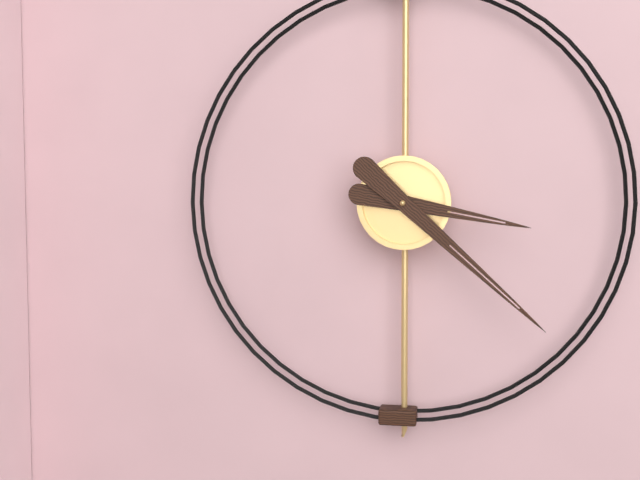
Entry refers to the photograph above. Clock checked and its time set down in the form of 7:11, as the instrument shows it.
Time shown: 3:22
